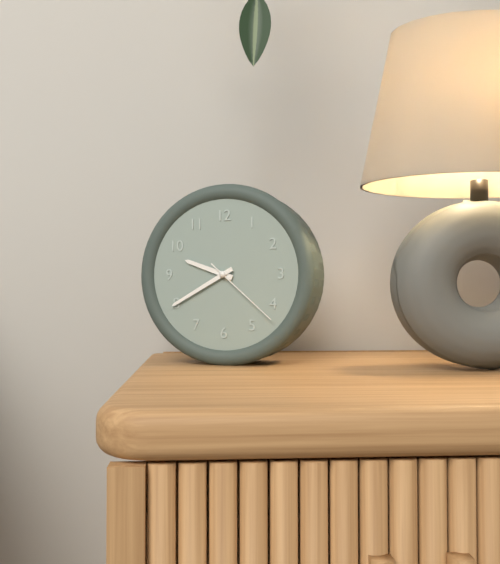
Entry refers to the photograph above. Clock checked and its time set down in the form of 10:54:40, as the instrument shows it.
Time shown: 9:40:22
